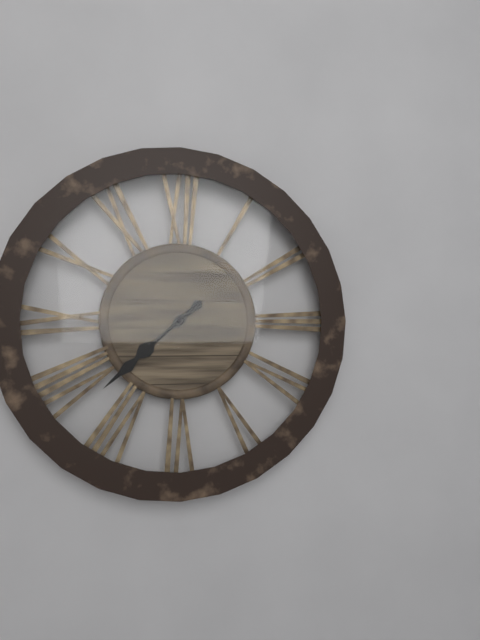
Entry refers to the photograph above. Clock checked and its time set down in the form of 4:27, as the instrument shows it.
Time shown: 7:38
